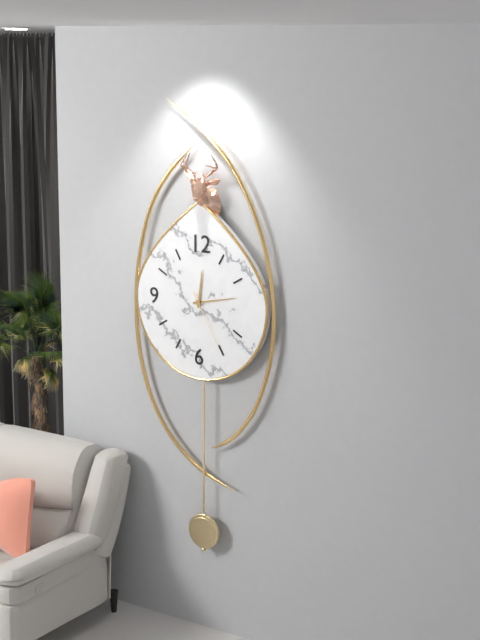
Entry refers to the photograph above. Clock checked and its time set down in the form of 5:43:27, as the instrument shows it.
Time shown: 12:13:25
